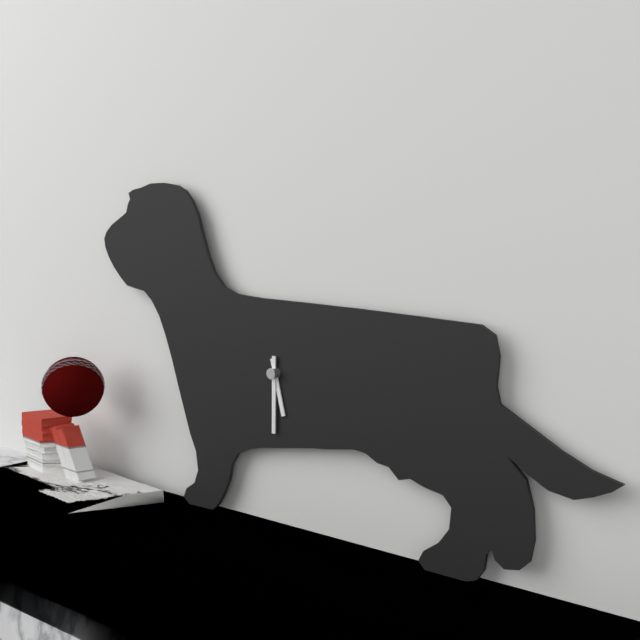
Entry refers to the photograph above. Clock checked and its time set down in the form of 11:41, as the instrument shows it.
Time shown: 5:30
